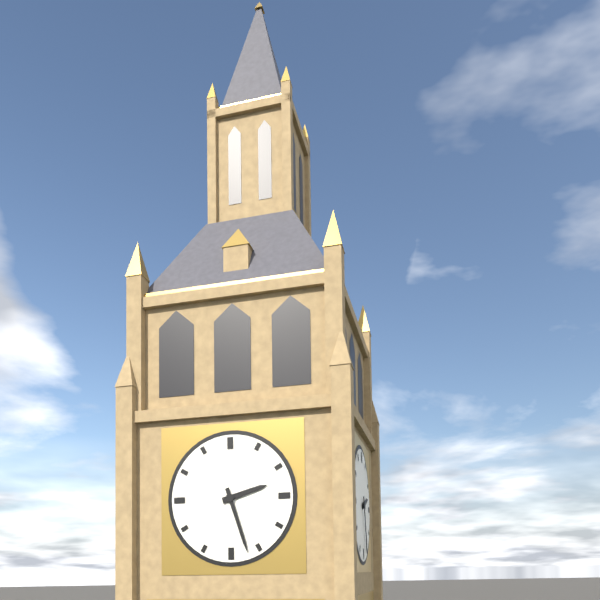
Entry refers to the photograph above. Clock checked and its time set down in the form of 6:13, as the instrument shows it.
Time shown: 2:27
